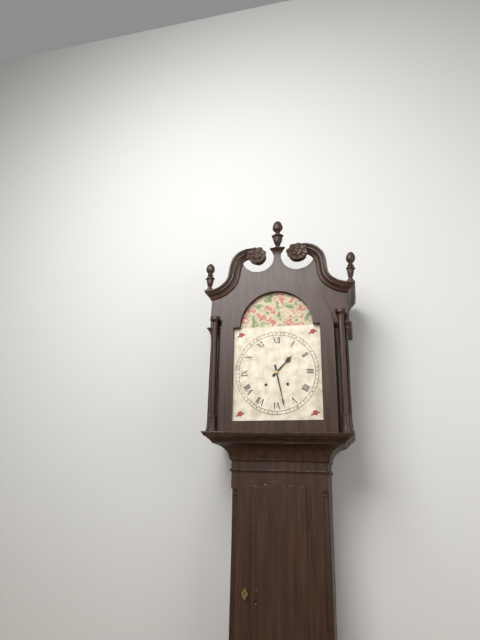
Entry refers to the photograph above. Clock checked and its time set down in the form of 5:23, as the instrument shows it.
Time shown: 1:28
